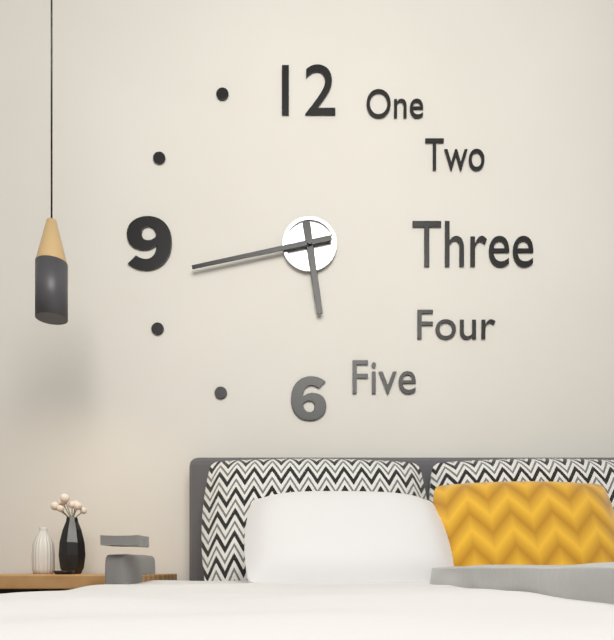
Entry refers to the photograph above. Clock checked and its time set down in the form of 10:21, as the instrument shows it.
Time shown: 5:43
